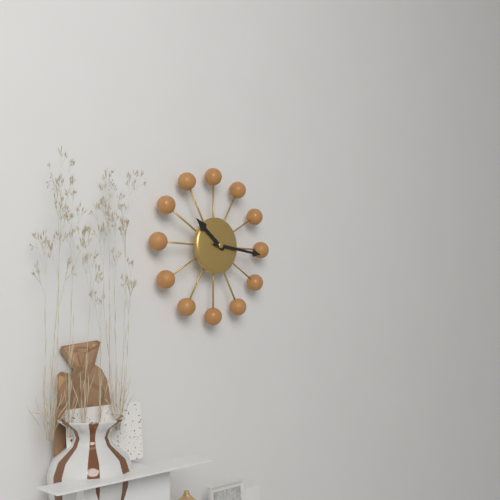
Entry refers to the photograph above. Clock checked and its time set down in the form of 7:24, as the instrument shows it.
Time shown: 10:16
